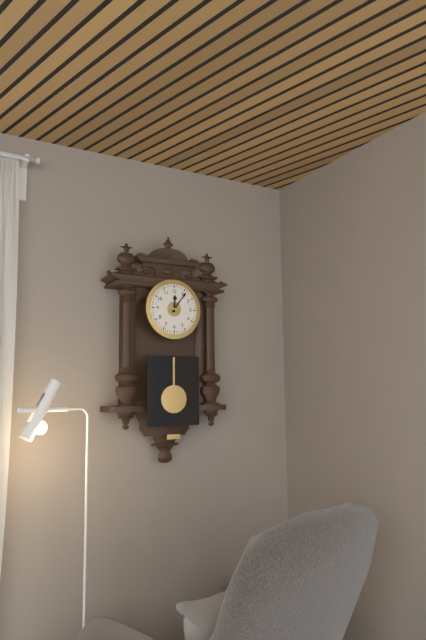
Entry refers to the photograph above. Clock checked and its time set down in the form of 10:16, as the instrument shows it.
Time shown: 12:06
